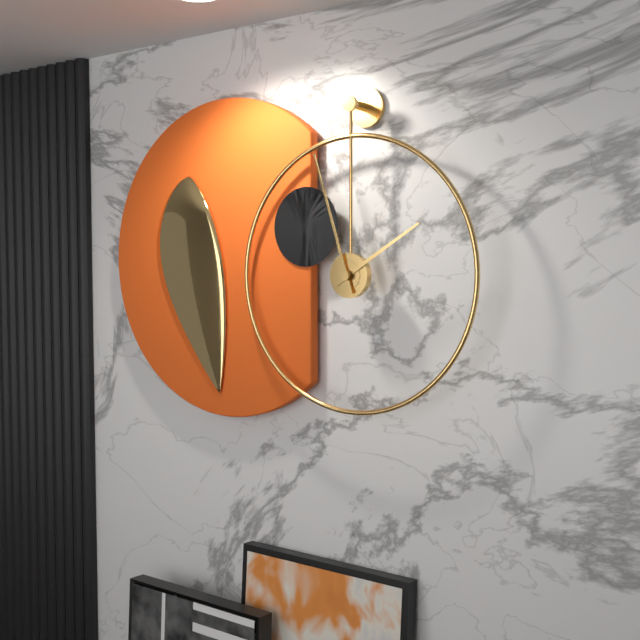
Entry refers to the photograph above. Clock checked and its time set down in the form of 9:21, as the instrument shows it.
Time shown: 1:57
